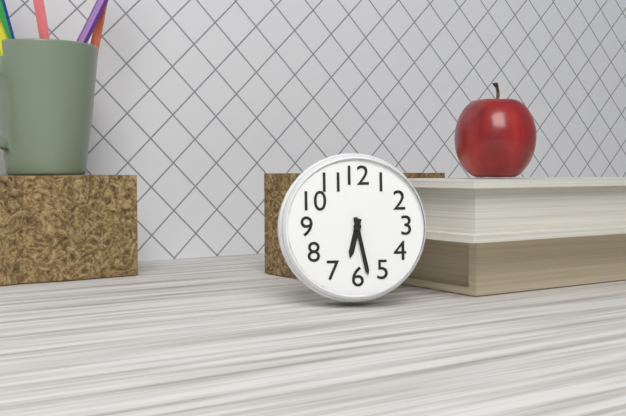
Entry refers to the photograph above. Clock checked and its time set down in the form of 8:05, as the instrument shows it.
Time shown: 6:28
